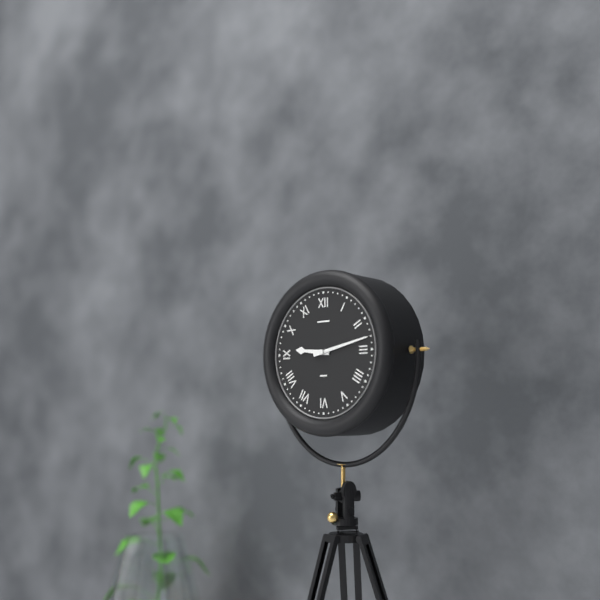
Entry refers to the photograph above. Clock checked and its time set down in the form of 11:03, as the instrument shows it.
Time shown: 9:13
